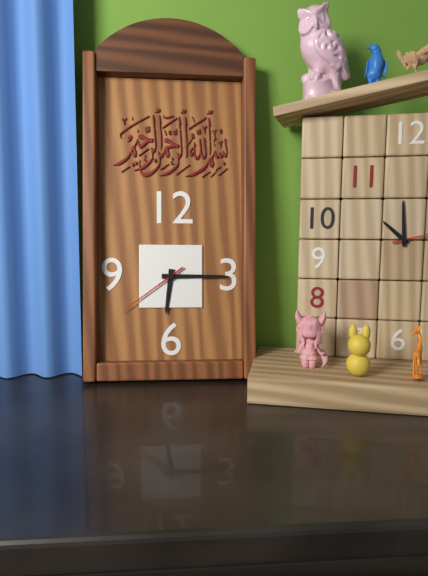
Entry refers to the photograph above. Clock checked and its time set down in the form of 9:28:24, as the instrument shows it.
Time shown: 6:15:39
